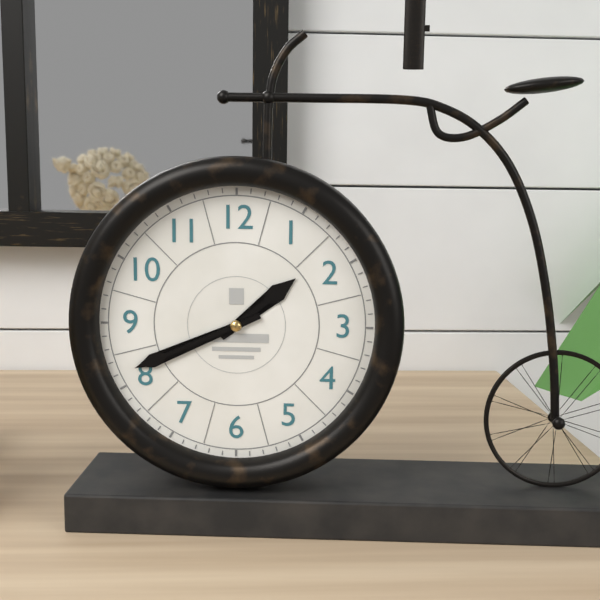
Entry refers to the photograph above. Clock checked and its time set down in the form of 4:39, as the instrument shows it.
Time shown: 1:41
